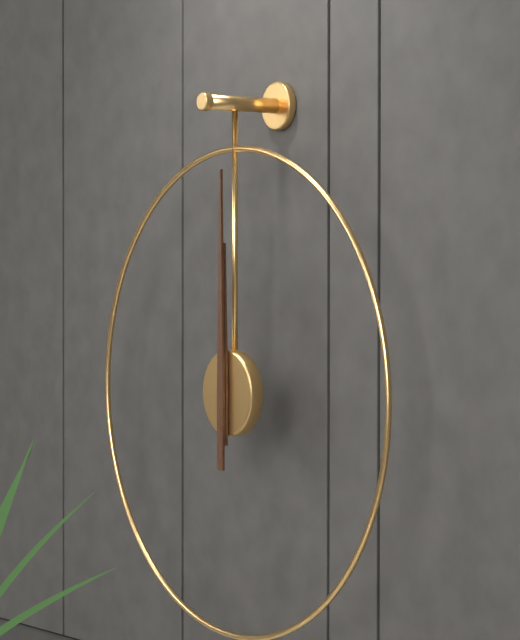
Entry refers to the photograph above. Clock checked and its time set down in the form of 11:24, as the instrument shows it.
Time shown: 12:00
